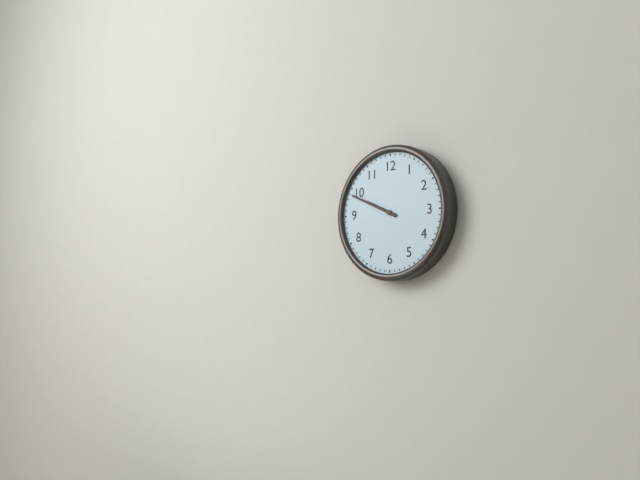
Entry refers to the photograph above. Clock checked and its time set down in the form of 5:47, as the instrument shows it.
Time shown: 9:49
